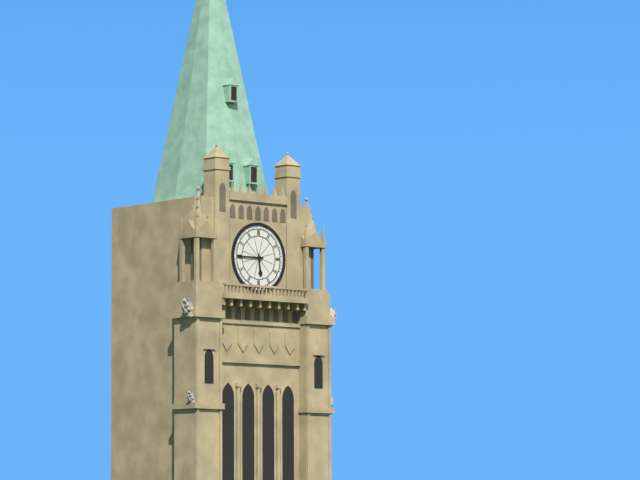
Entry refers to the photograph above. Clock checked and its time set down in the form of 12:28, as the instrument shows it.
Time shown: 5:45
